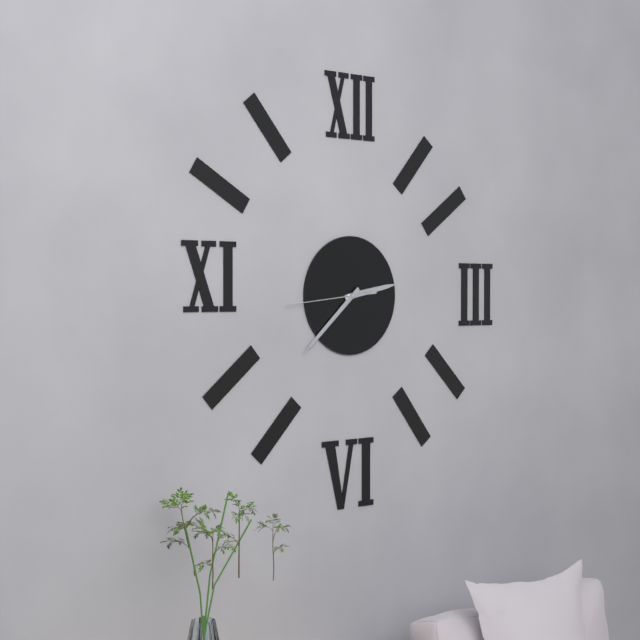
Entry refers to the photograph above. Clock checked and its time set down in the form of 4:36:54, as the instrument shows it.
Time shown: 2:38:44
